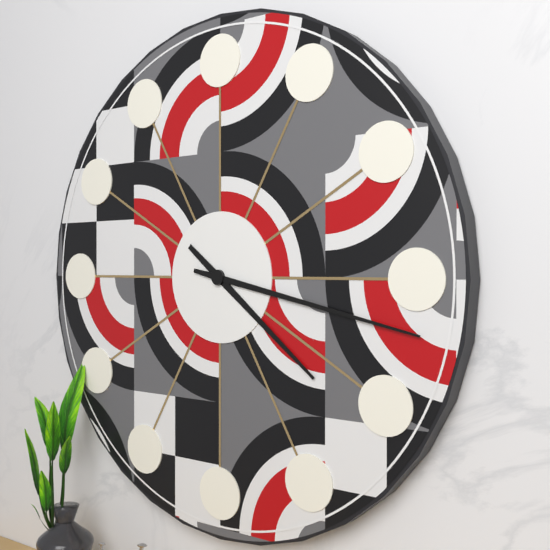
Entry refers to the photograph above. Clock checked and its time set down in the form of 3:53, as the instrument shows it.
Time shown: 4:17
